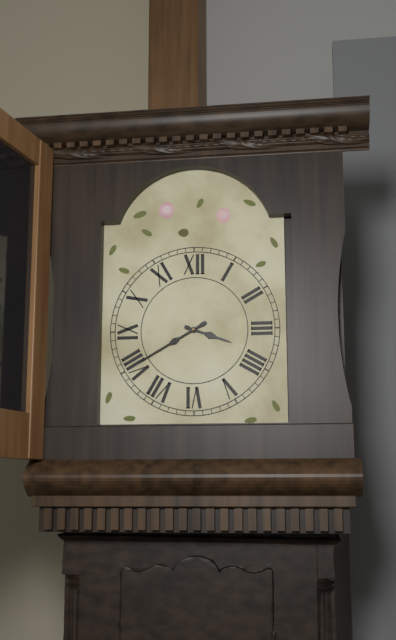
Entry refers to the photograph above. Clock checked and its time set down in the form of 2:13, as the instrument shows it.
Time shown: 3:40
